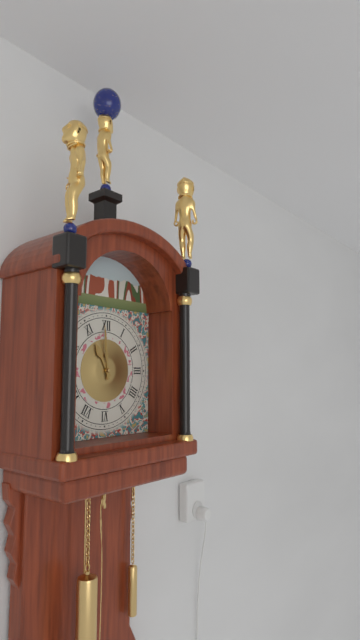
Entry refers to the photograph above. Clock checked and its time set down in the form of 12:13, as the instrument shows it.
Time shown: 10:59
